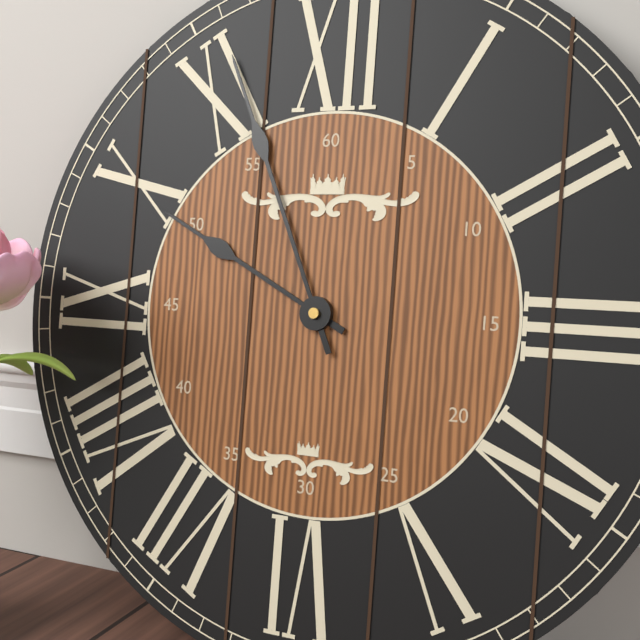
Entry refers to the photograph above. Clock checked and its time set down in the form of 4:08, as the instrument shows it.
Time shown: 9:56
